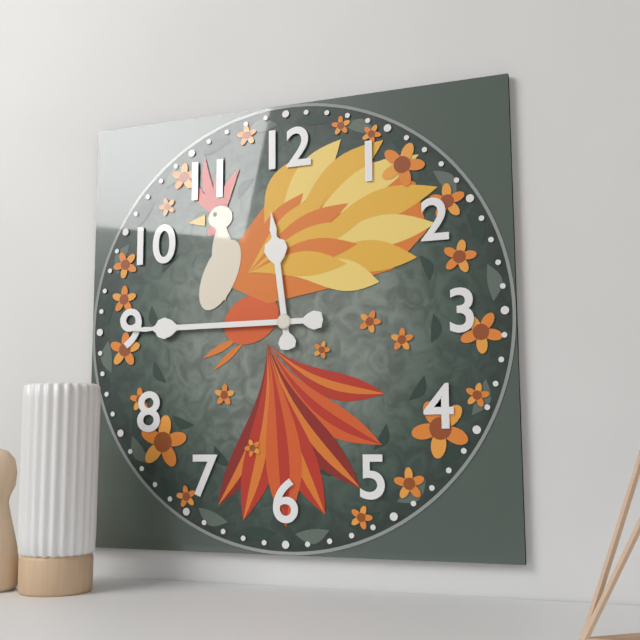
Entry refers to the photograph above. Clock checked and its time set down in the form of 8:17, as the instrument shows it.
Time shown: 11:45
